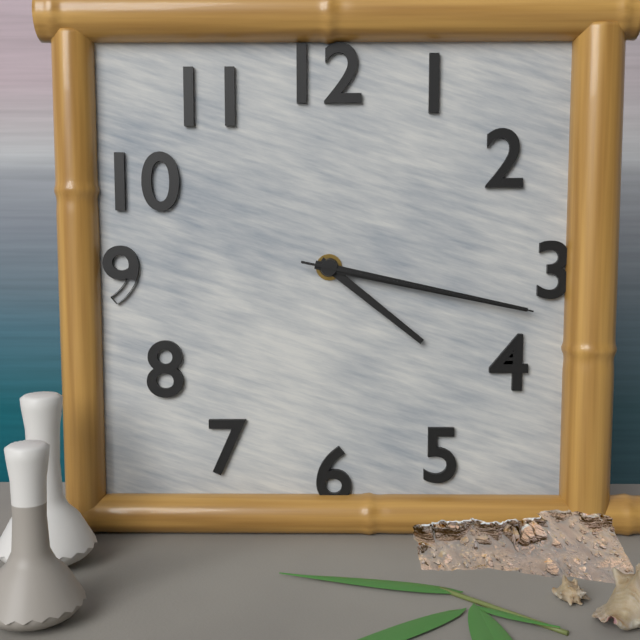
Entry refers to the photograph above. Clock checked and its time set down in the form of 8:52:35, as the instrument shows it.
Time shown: 4:17:17
